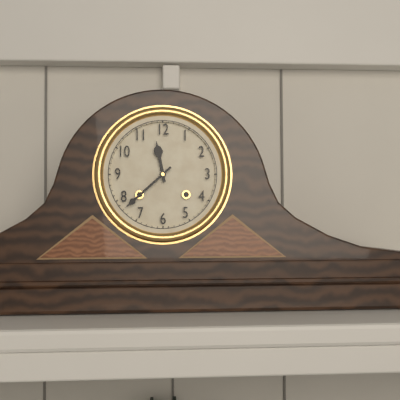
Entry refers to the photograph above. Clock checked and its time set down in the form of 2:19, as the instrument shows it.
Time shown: 11:38
